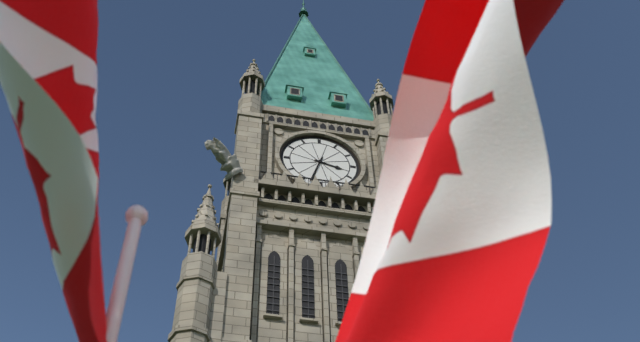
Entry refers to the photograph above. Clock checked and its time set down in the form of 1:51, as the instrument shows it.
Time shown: 3:33
